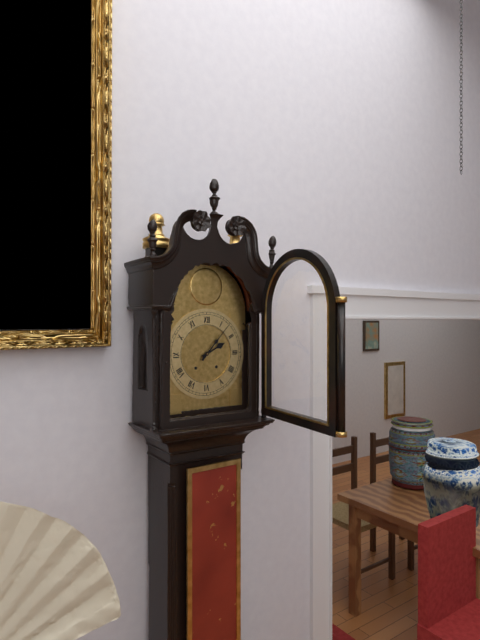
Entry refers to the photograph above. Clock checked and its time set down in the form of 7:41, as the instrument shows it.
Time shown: 2:07
